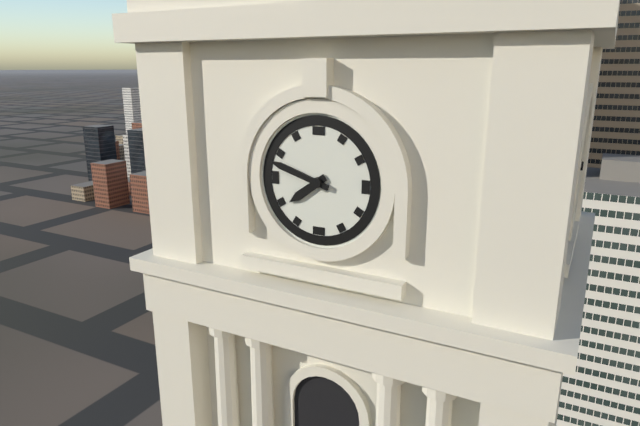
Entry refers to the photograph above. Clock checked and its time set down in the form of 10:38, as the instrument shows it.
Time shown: 7:48
